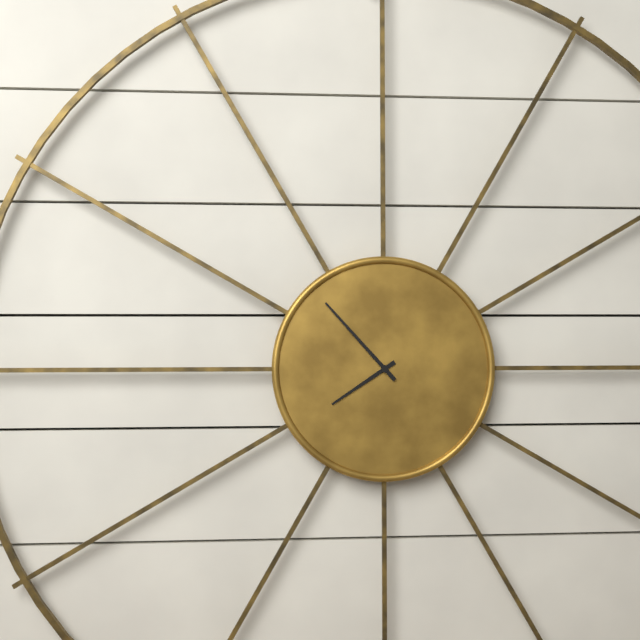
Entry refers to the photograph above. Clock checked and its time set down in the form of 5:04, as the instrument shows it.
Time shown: 7:53
